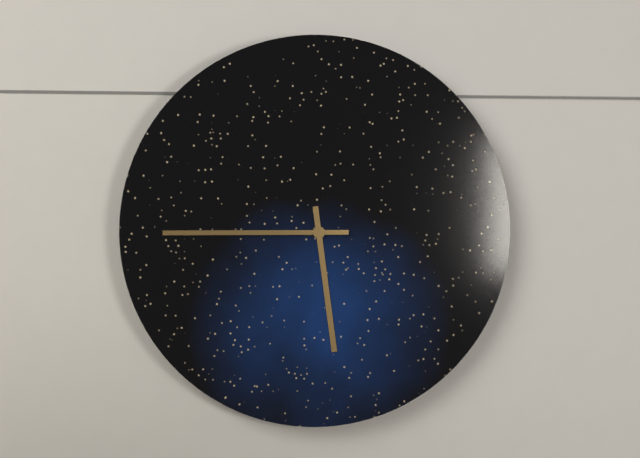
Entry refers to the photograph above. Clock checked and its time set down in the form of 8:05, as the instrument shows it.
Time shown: 5:45
